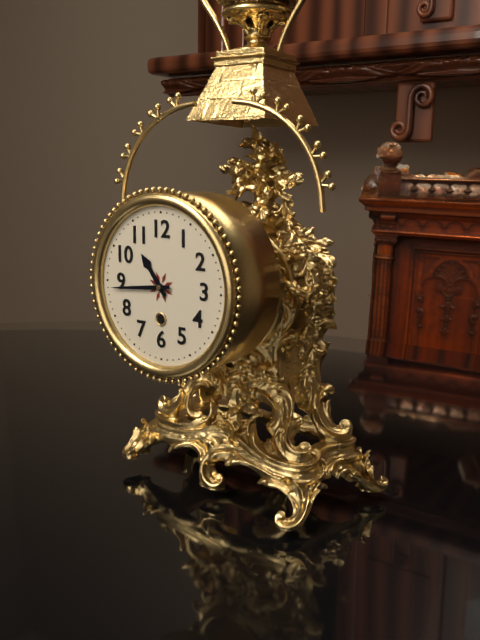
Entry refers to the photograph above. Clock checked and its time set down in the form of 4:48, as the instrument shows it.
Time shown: 10:44
